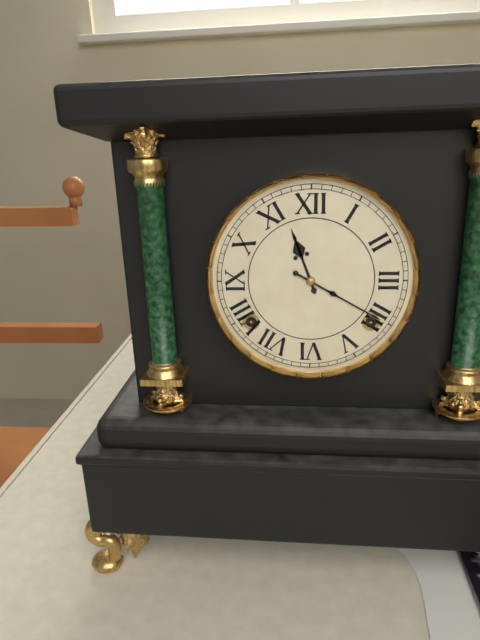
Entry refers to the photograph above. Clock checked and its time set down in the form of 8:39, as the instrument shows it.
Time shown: 11:20
